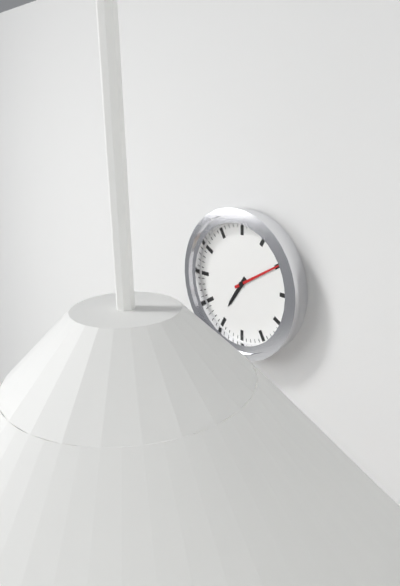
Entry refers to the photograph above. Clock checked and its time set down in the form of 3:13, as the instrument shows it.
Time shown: 7:10
